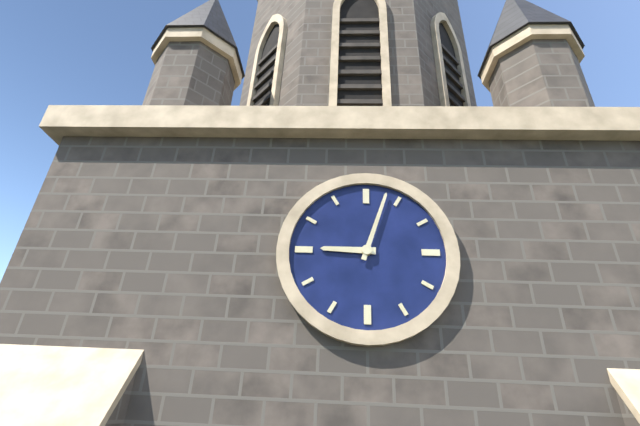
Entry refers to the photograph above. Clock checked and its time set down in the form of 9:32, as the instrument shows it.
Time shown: 9:03
